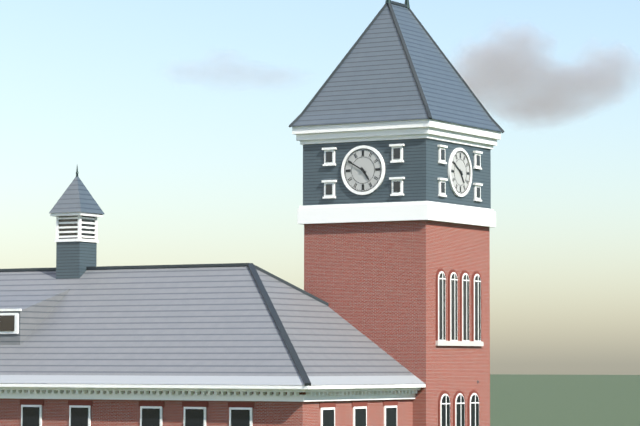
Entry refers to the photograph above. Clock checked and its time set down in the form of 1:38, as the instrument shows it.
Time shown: 4:50
